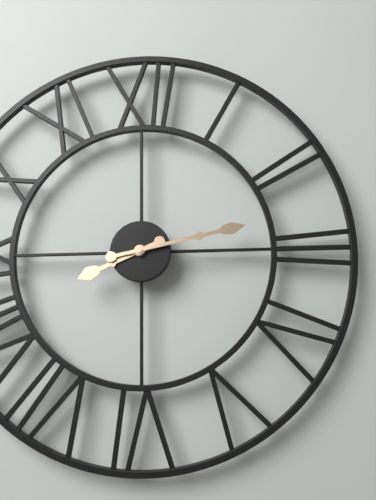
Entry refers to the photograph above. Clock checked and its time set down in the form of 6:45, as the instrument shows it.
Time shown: 8:13
